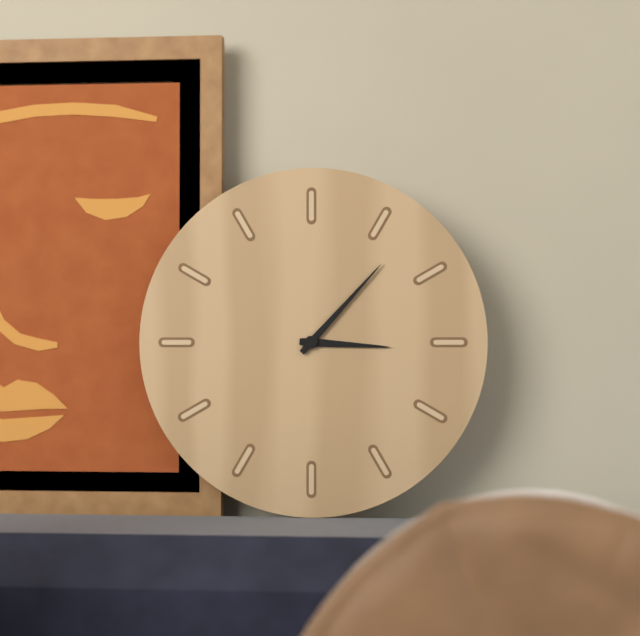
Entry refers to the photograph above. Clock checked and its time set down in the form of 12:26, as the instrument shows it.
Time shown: 3:07
